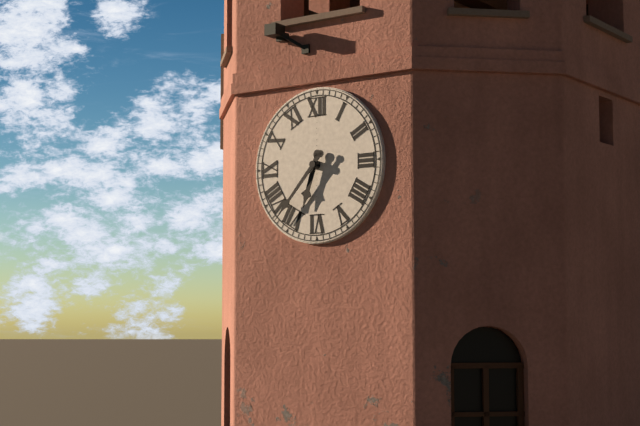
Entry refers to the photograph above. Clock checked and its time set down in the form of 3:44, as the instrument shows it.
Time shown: 6:37
